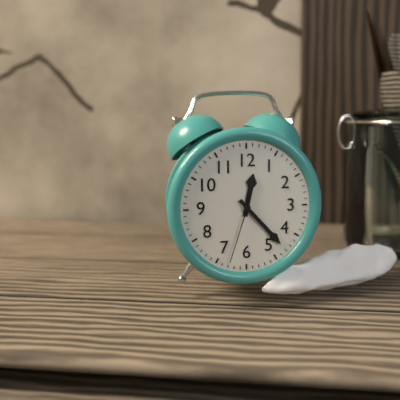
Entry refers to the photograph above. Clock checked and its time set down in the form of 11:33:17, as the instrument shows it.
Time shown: 12:23:33
